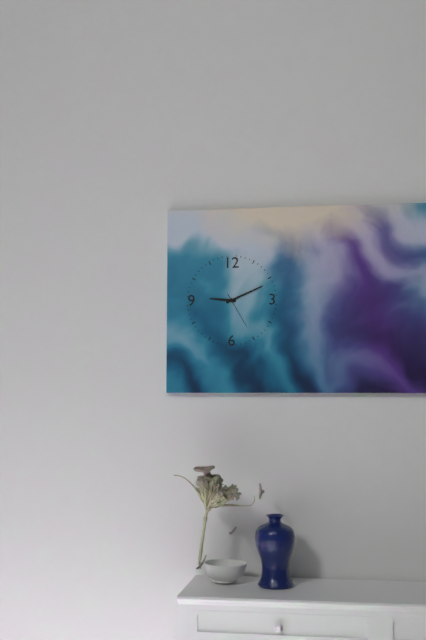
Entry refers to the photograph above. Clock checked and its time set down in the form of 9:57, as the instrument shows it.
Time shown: 9:11
